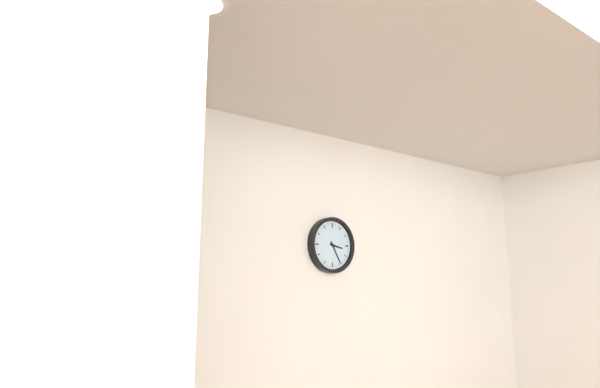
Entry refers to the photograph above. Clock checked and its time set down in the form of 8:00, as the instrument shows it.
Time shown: 3:25
